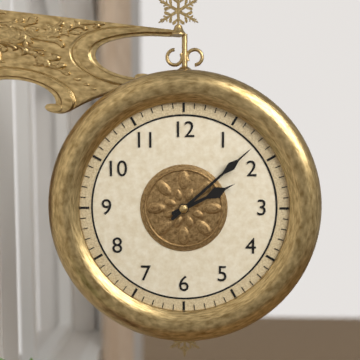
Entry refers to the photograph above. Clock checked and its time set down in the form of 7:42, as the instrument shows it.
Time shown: 2:08
